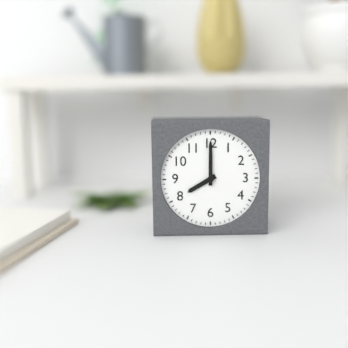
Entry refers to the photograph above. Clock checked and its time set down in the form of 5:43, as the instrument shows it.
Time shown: 8:00
